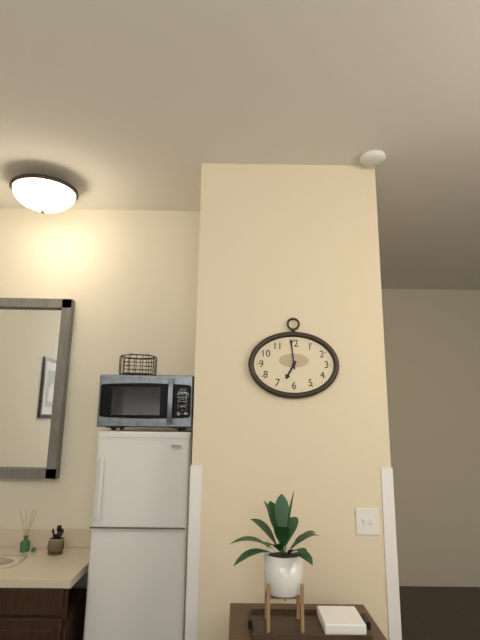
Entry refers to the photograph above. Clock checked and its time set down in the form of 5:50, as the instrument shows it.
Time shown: 6:59
